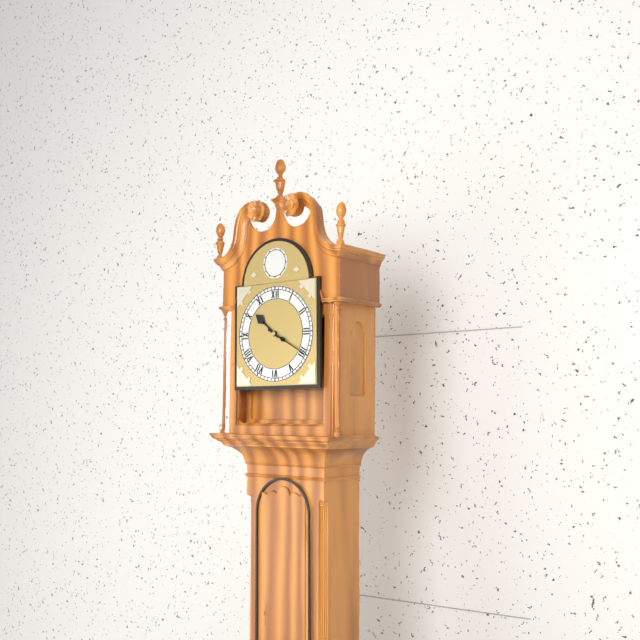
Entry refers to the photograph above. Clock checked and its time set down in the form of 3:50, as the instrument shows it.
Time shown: 10:20
